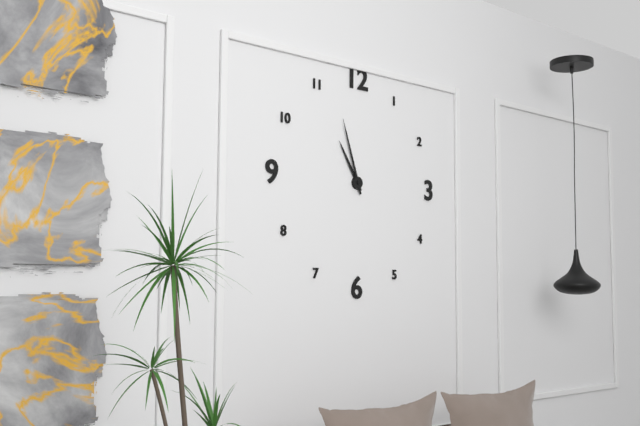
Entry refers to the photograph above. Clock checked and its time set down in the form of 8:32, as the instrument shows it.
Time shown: 10:57
